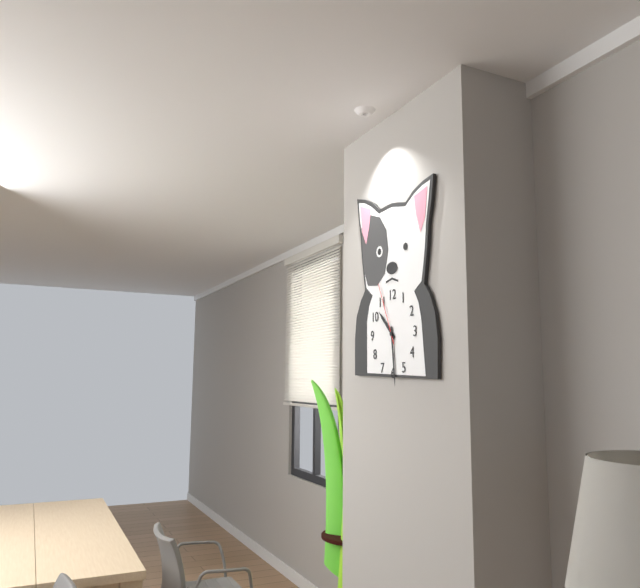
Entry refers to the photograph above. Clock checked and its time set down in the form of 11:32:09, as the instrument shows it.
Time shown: 10:29:56
